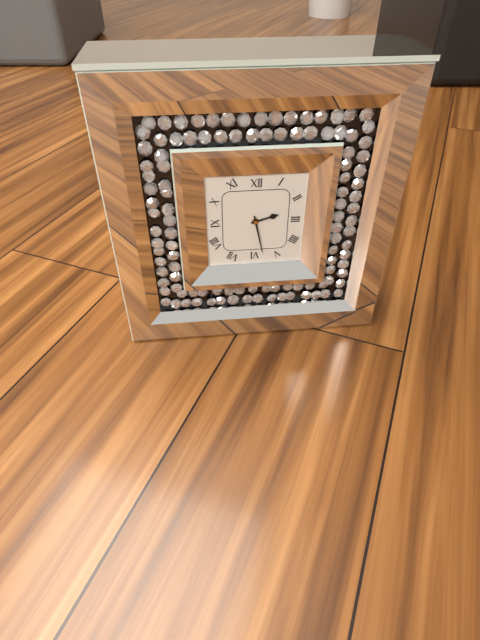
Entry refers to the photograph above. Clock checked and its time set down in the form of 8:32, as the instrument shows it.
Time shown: 2:28
